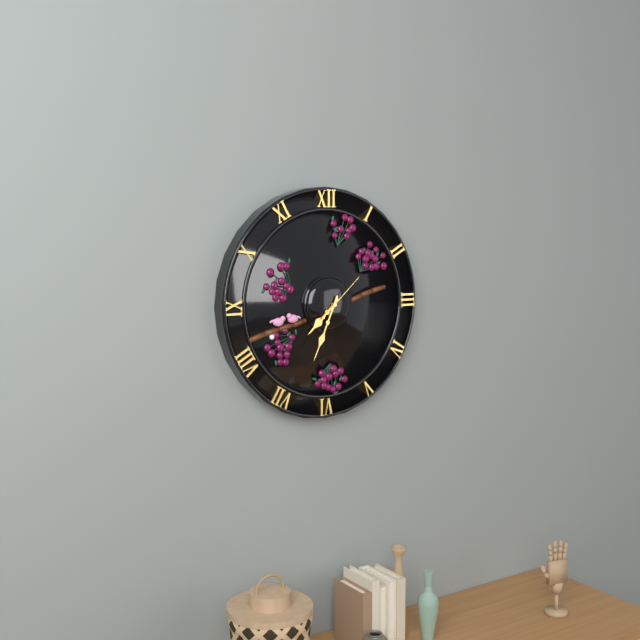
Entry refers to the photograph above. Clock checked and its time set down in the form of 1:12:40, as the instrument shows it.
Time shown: 7:34:08
